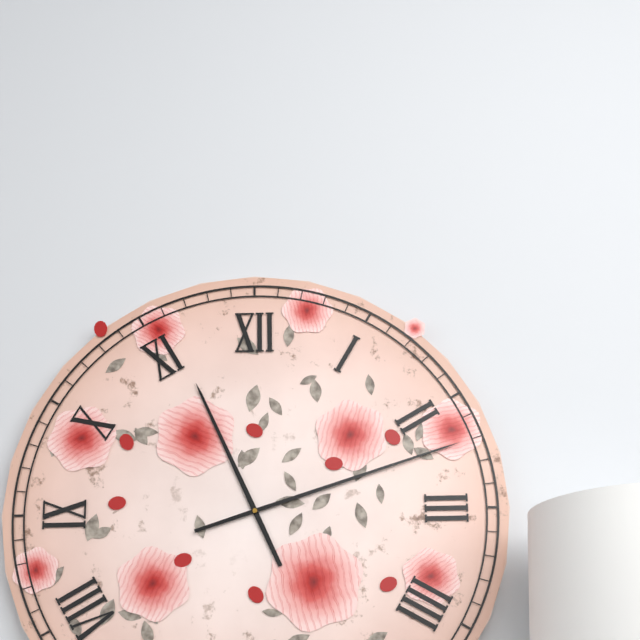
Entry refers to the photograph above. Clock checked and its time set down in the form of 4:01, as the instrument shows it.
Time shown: 11:12
